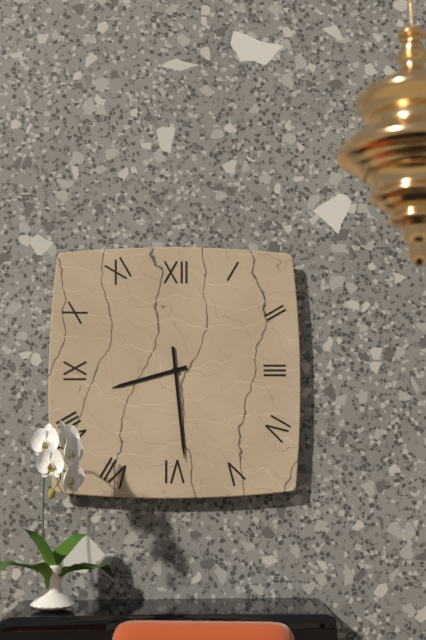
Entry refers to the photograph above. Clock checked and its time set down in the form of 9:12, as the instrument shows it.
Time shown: 8:29
